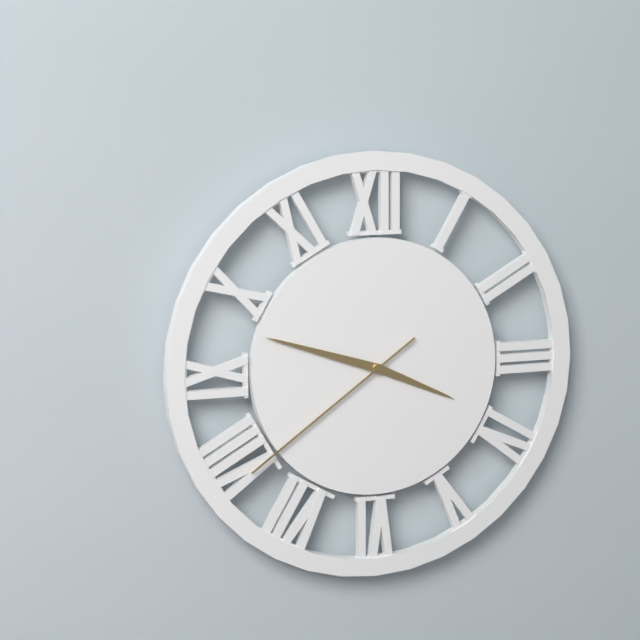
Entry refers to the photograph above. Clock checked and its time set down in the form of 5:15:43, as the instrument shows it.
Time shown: 3:48:39
